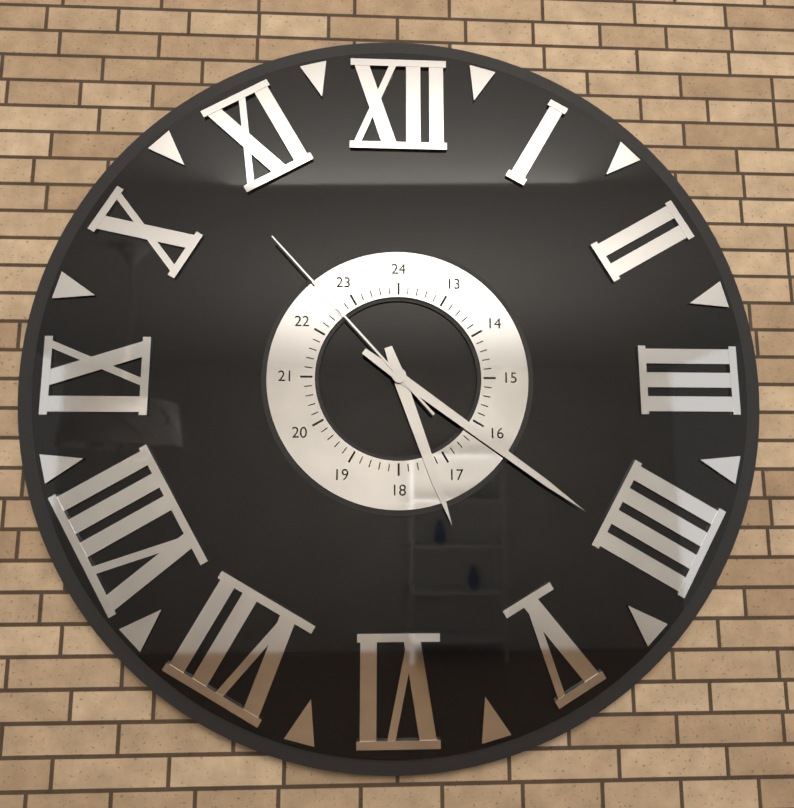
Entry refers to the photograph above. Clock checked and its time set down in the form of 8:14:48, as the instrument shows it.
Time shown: 5:21:53
